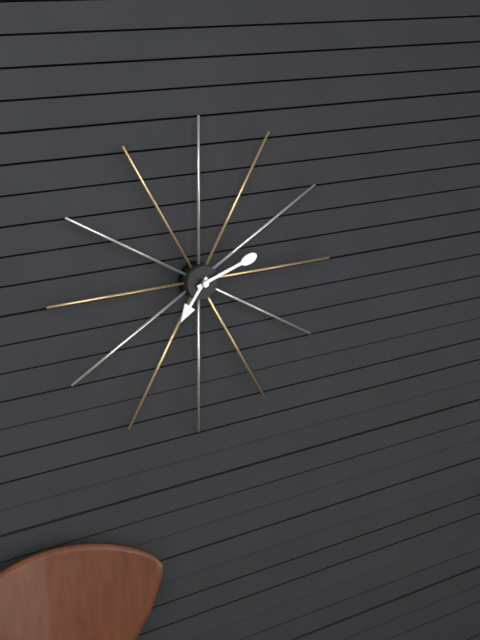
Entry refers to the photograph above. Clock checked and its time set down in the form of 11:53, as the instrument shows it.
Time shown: 7:12
